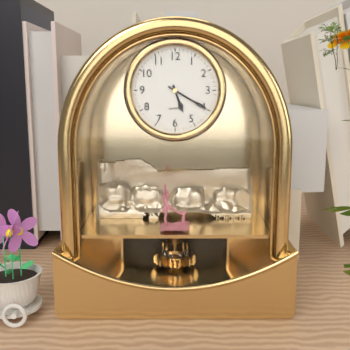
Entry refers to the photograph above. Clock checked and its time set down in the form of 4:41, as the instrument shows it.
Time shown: 5:20
